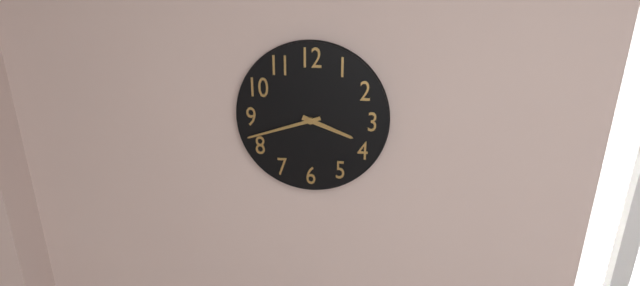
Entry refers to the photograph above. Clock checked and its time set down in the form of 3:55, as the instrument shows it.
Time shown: 3:42
